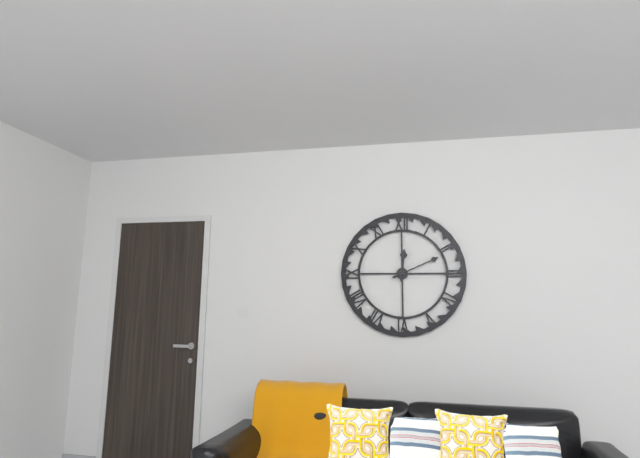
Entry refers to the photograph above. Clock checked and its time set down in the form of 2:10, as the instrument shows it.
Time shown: 12:11
